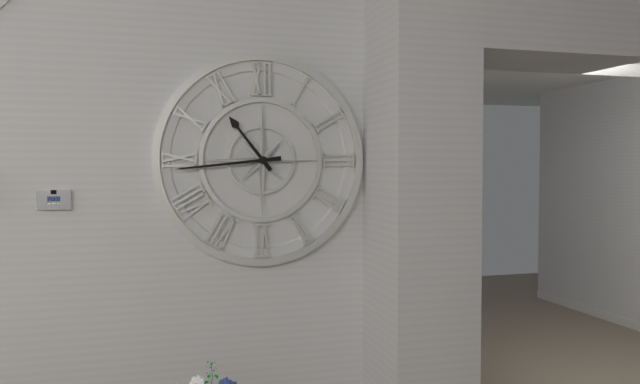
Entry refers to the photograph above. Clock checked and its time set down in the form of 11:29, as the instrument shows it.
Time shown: 10:44
